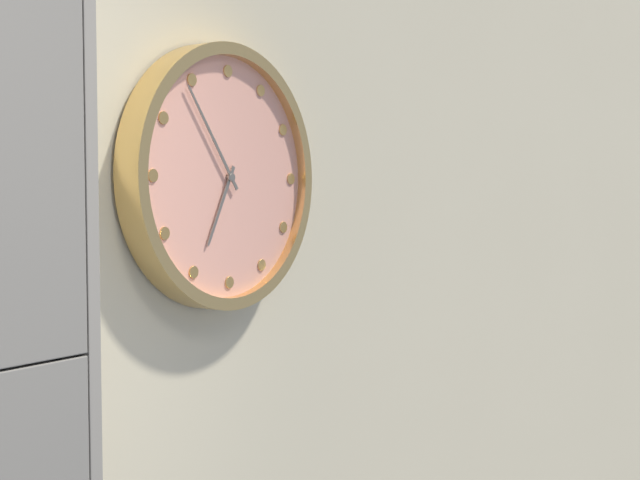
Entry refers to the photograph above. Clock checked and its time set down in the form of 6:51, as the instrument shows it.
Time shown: 6:54
